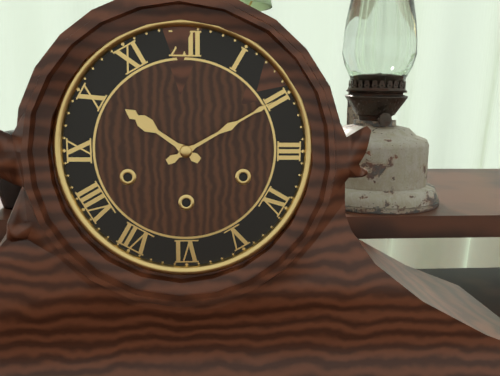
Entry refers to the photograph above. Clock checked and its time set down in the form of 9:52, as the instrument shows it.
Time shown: 10:10
